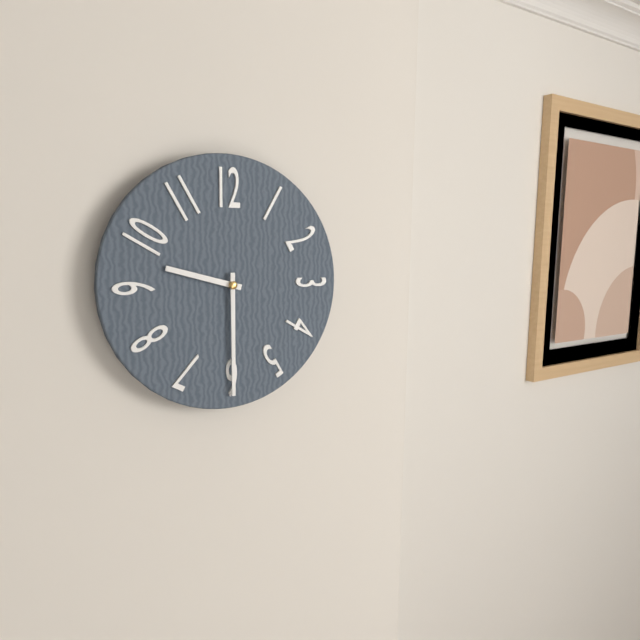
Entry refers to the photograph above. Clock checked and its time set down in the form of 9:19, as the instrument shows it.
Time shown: 9:30
